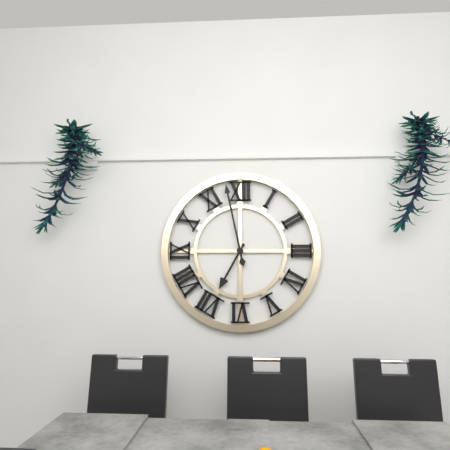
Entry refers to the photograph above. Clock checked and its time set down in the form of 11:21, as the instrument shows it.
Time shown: 6:58
